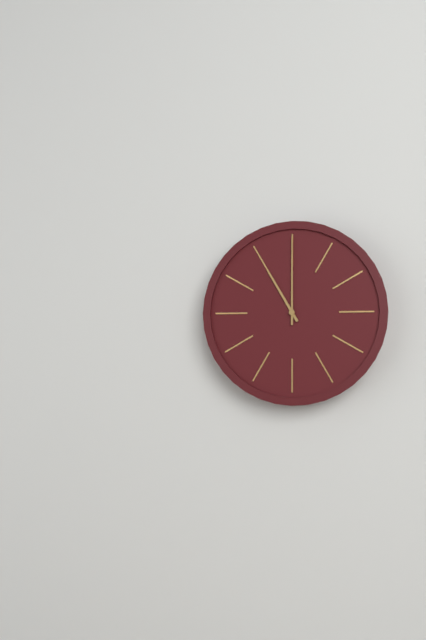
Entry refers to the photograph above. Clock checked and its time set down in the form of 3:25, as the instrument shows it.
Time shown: 11:00
